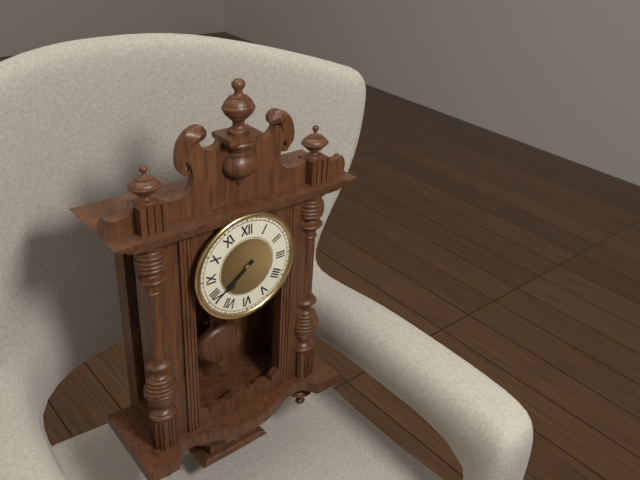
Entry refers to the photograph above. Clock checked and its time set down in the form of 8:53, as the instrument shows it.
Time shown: 7:39
